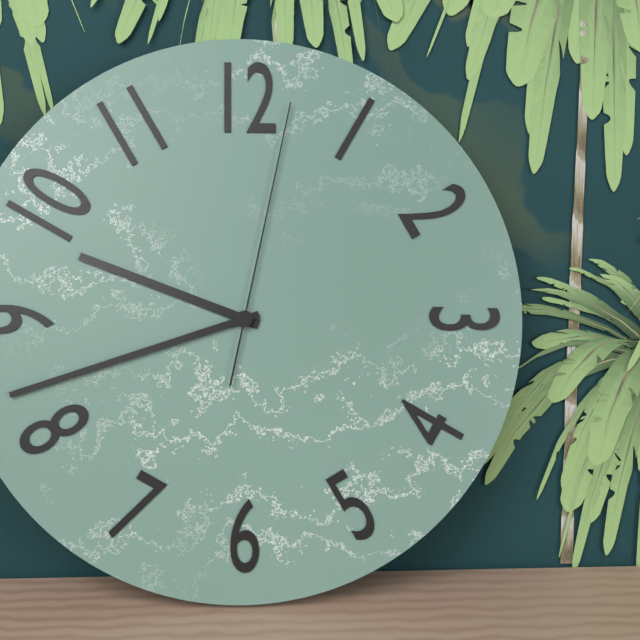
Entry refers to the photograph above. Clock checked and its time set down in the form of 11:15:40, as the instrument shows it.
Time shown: 9:42:02
